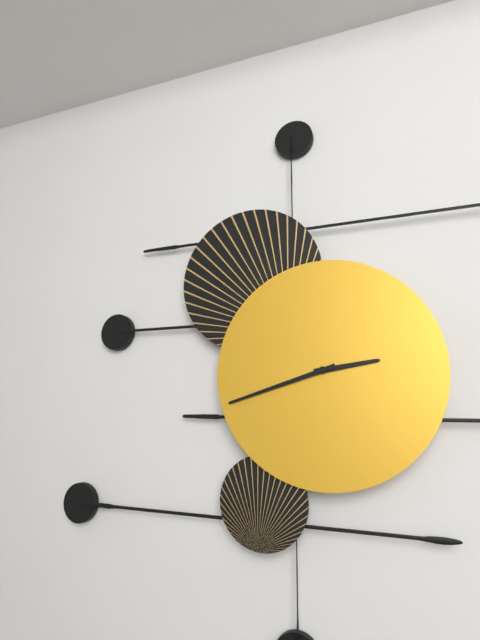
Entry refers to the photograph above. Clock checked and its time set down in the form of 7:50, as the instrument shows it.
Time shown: 2:42
